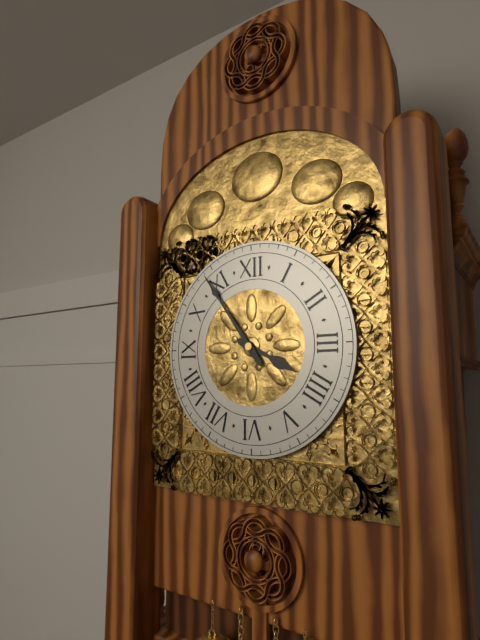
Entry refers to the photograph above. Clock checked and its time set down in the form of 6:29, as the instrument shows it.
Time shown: 3:54
